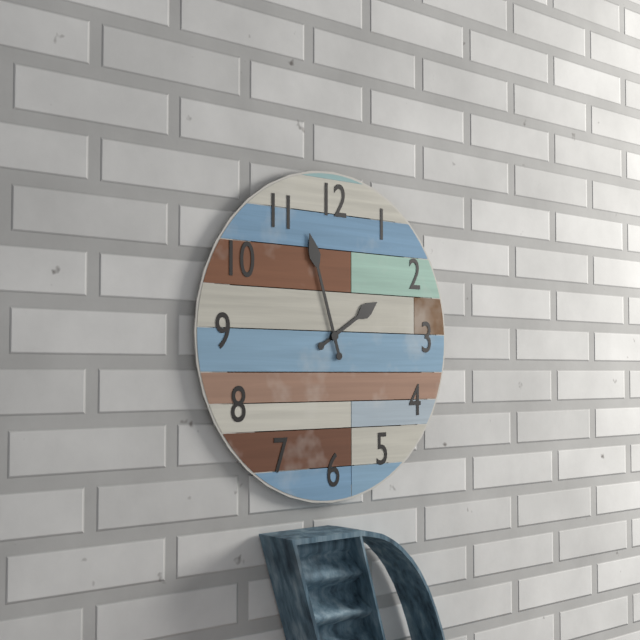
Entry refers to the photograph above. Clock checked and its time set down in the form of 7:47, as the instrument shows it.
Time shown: 1:57
